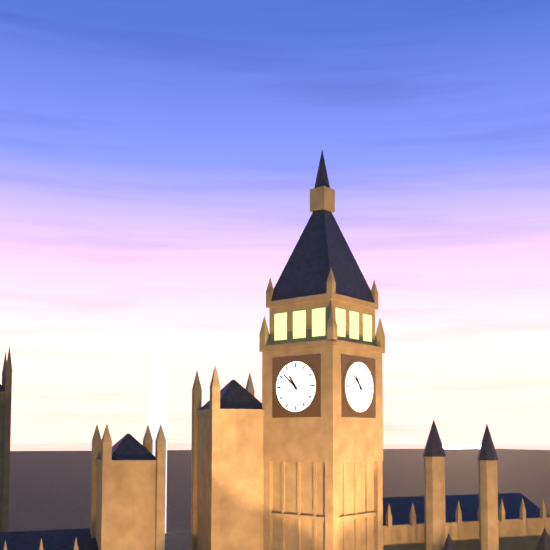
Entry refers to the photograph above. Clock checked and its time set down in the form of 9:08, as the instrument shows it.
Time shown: 10:52
